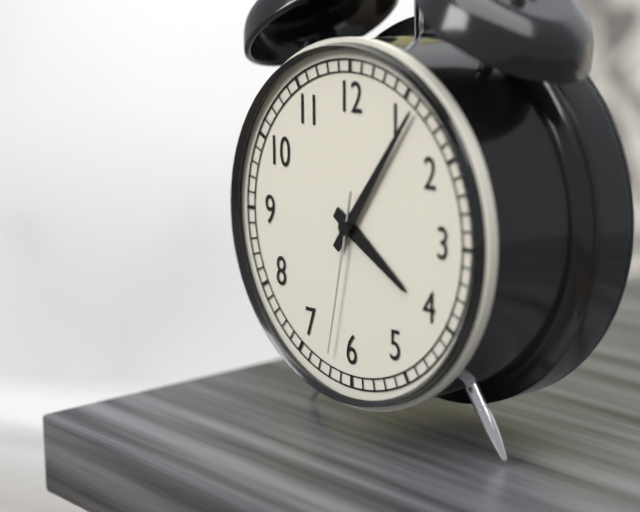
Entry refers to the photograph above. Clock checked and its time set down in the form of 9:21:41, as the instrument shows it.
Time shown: 4:06:32
